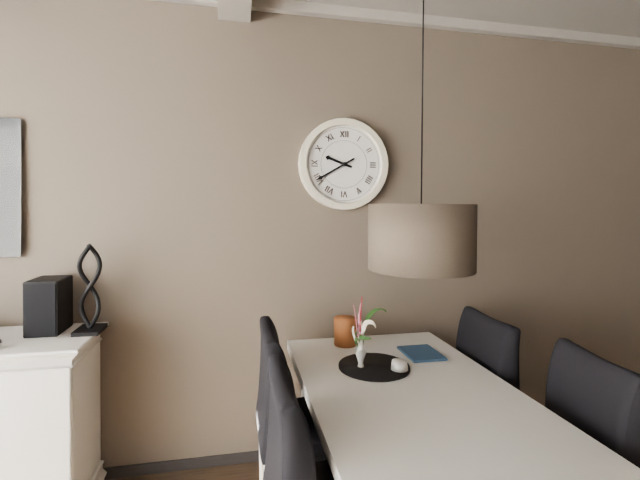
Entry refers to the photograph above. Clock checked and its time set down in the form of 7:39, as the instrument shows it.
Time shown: 9:40
